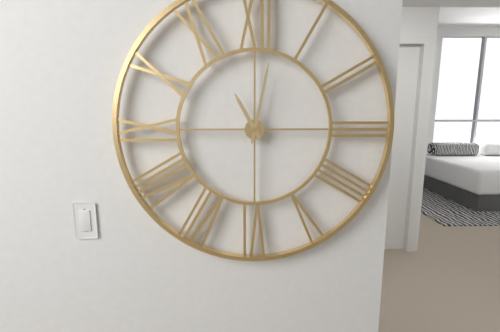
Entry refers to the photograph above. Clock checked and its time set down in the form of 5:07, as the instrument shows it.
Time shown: 11:02
